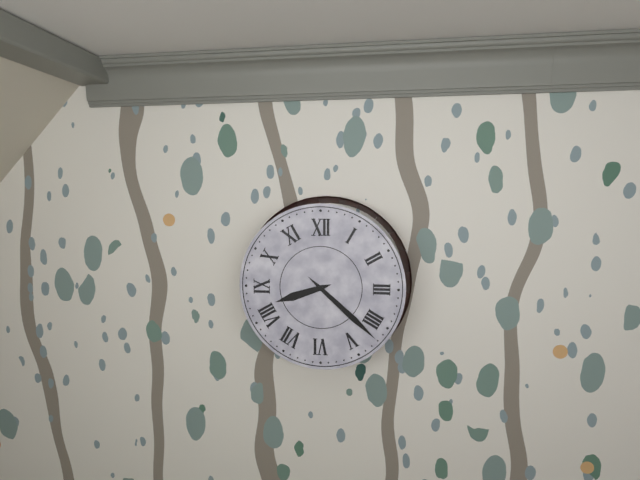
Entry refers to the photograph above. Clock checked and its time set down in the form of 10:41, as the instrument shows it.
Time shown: 8:22
